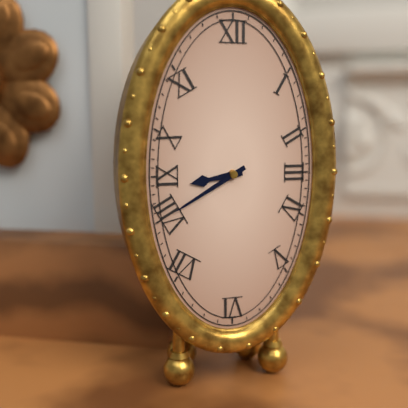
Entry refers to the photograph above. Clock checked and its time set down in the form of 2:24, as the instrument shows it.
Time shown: 8:40
